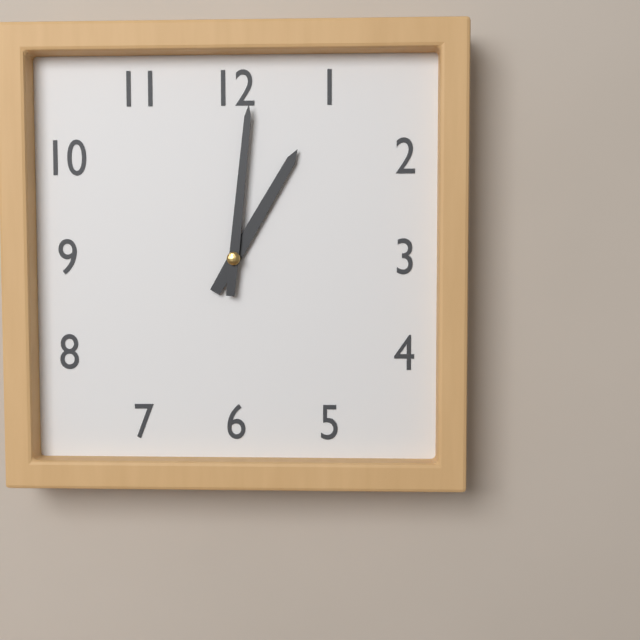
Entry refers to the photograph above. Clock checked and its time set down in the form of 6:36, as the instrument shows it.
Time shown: 1:01
